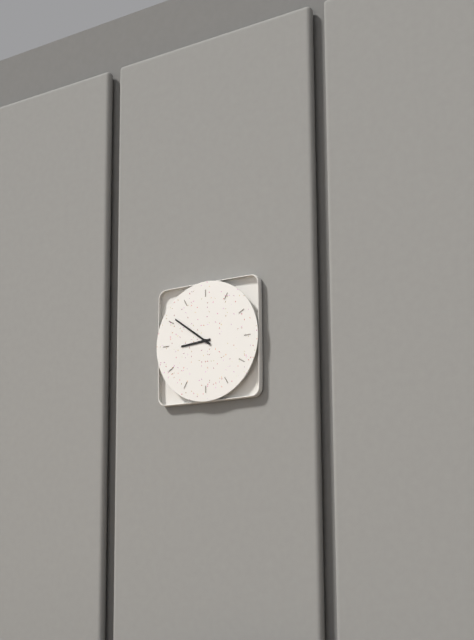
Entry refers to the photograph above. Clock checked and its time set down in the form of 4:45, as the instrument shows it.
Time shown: 8:51
